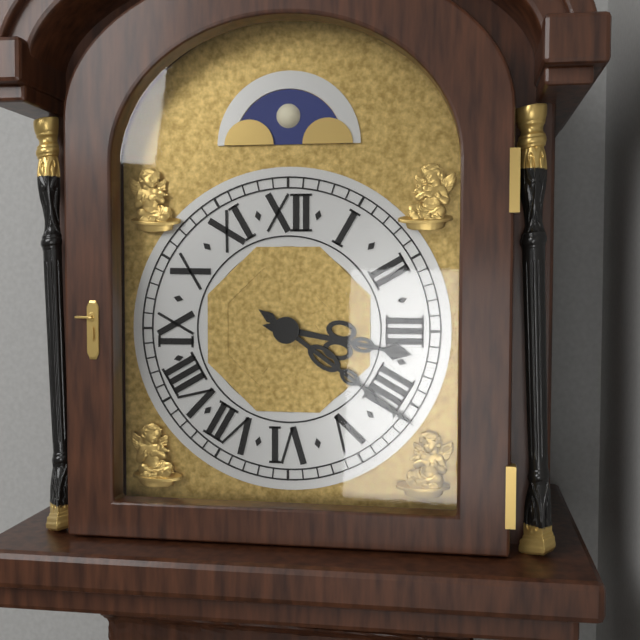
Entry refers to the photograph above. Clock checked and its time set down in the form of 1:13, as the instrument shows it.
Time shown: 3:21
